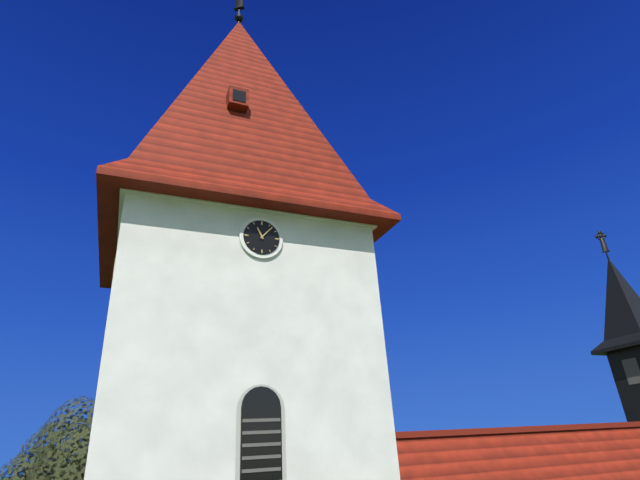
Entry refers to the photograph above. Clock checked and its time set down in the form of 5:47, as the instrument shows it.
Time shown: 11:07
